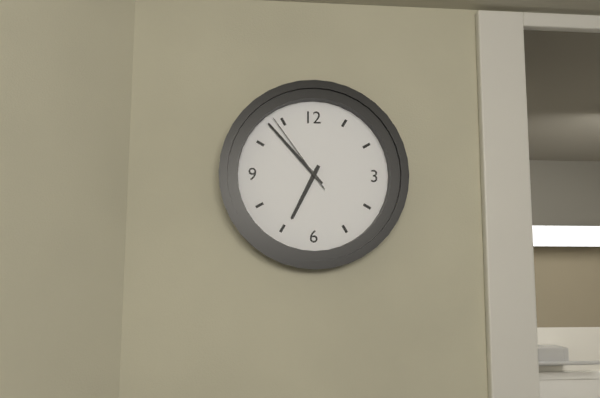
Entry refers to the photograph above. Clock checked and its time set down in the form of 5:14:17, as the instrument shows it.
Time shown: 6:53:54
